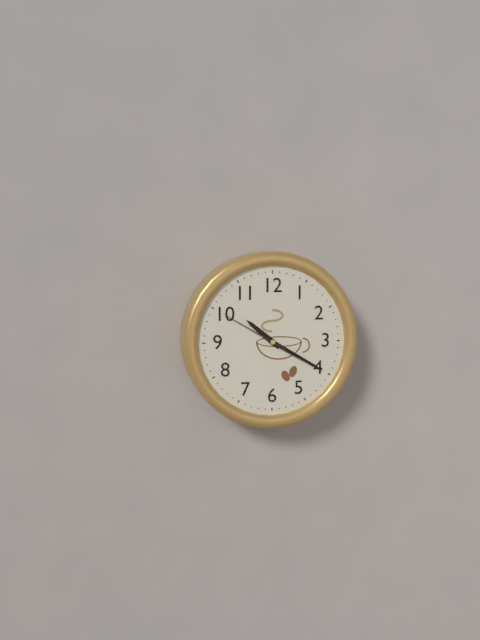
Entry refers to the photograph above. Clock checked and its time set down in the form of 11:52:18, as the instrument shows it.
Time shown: 10:20:50
